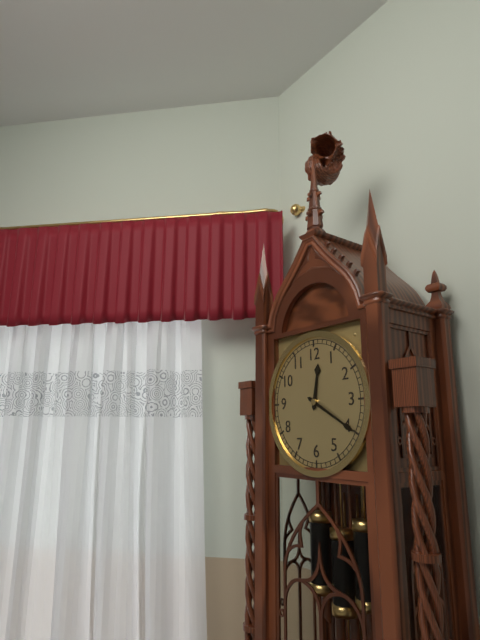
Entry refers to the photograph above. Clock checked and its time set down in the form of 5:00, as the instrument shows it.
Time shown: 12:20
